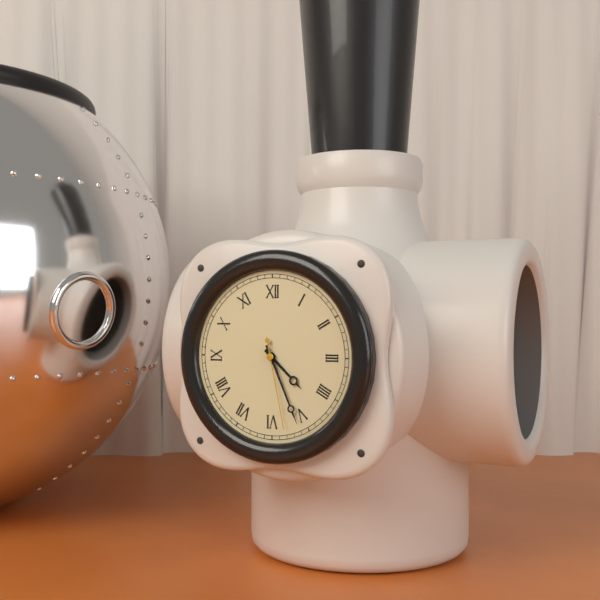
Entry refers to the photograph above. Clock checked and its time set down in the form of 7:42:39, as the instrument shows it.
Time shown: 4:26:28
